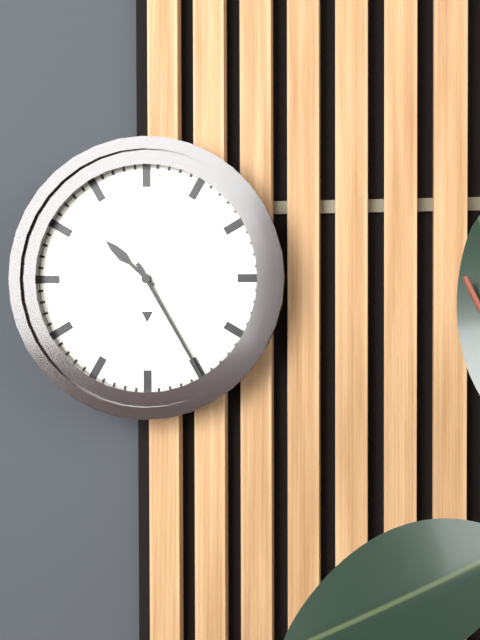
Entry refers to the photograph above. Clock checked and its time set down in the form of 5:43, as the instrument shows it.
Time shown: 10:25
